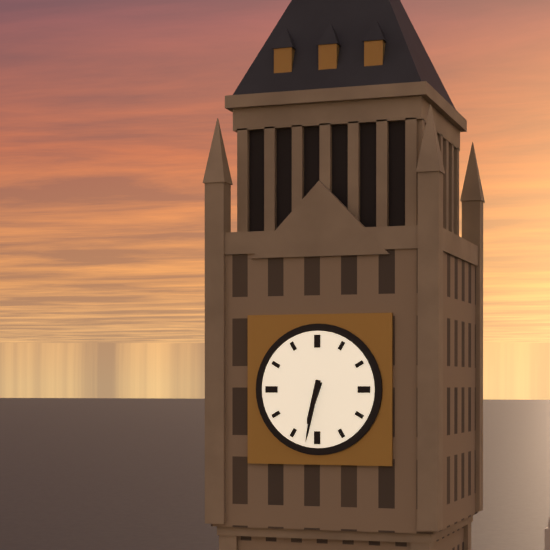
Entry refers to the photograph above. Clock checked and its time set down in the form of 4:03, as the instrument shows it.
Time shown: 6:32
